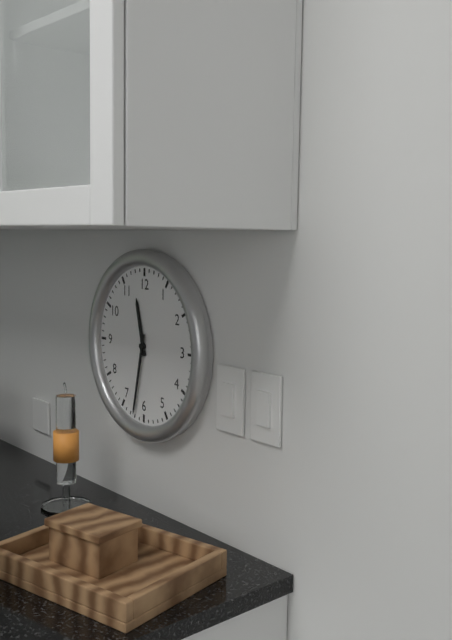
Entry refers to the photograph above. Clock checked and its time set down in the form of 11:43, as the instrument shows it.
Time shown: 11:32
